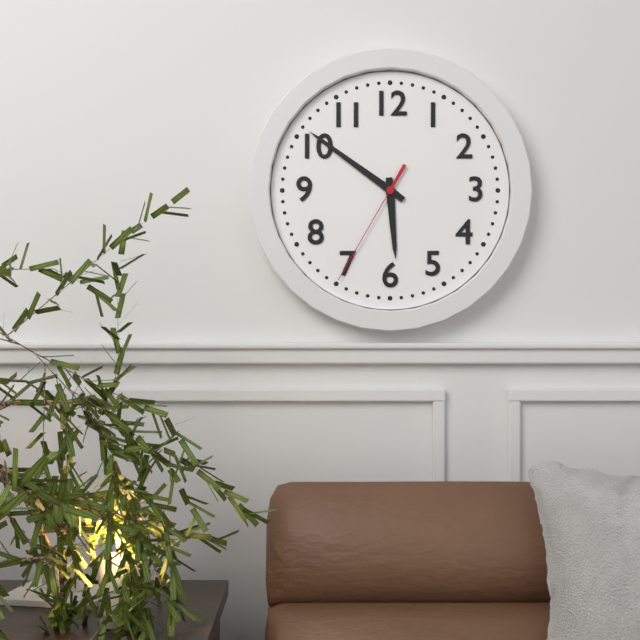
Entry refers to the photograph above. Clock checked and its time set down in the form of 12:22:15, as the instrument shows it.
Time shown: 5:51:35
